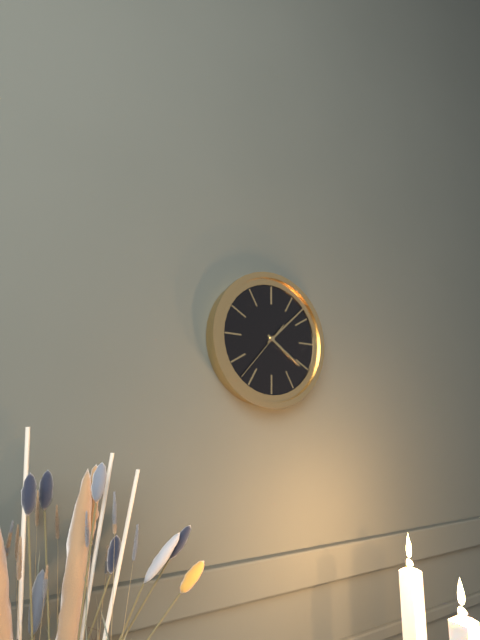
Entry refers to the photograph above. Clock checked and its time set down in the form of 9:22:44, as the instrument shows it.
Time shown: 4:08:37
